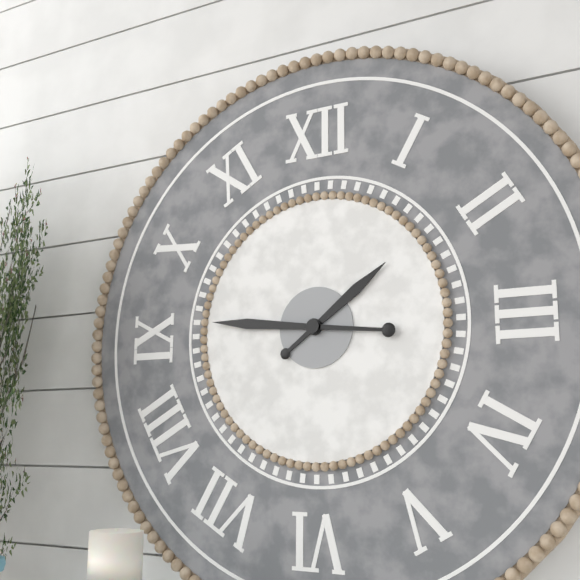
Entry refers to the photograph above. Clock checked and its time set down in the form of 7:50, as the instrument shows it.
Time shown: 1:46
